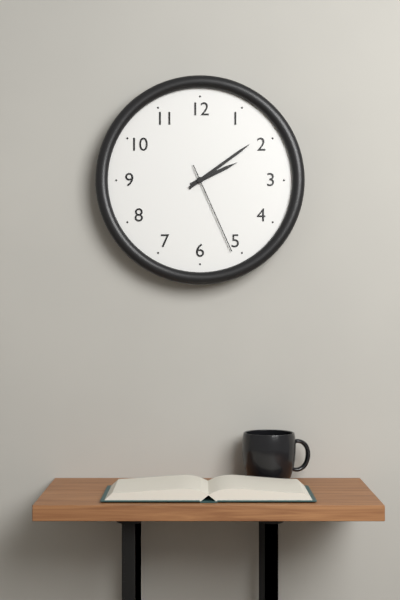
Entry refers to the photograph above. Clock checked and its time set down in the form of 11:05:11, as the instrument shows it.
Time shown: 2:09:26
